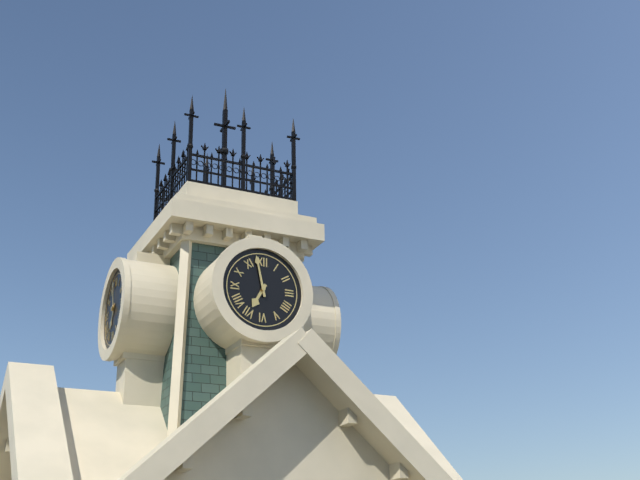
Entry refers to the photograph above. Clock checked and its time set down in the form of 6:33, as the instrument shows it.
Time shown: 6:58
